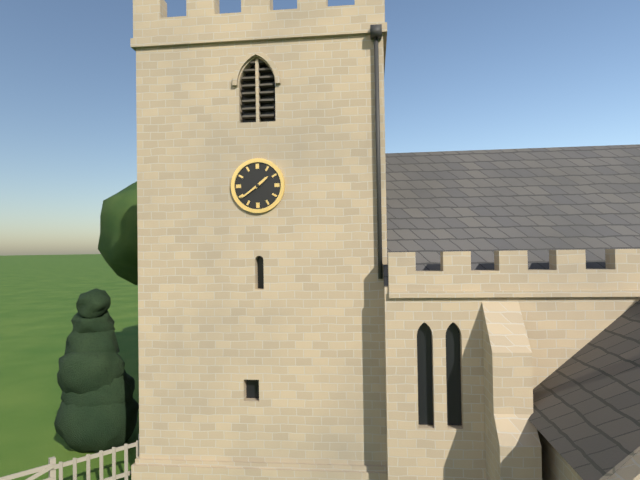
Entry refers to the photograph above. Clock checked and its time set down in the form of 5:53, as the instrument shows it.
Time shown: 1:39
